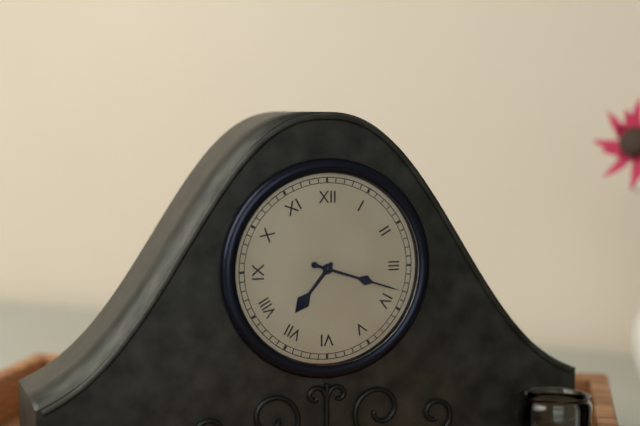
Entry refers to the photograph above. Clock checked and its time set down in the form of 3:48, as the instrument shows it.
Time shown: 7:18
